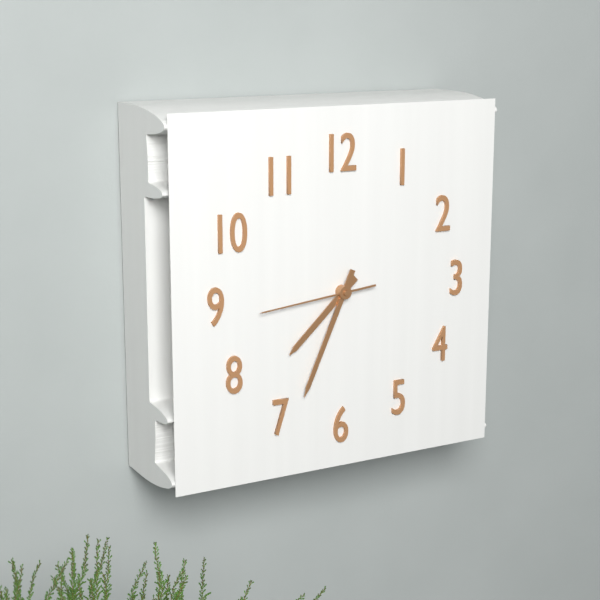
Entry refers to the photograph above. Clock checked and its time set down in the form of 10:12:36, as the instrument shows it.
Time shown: 7:34:44
